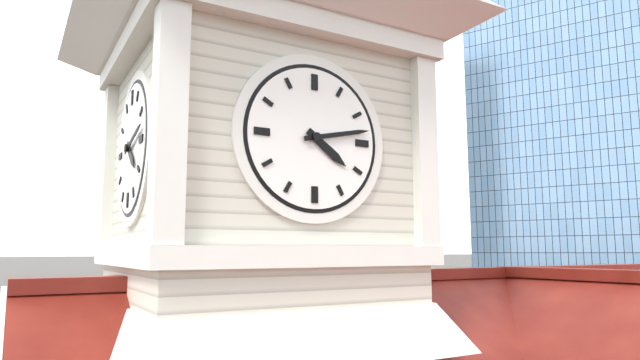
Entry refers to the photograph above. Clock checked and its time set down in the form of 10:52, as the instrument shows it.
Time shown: 4:13
